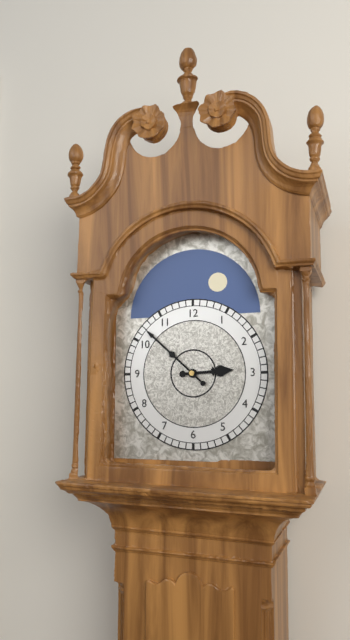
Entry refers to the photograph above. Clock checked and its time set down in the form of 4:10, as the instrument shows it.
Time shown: 2:52
